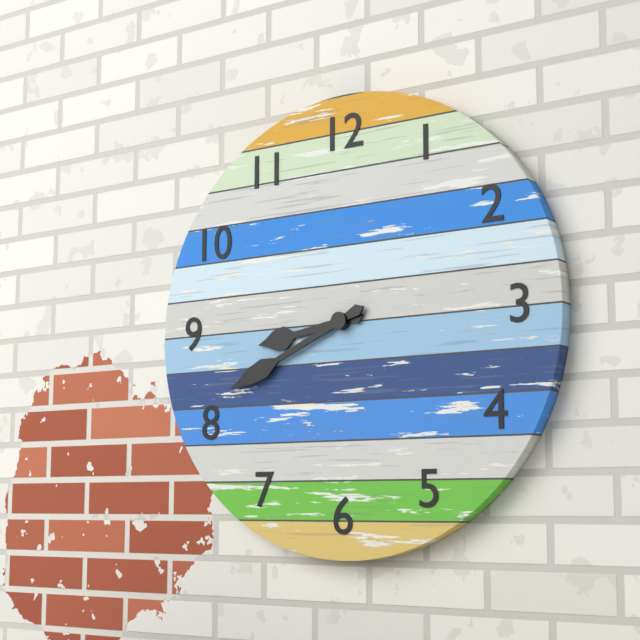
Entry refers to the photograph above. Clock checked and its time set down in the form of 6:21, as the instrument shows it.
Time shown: 8:41
